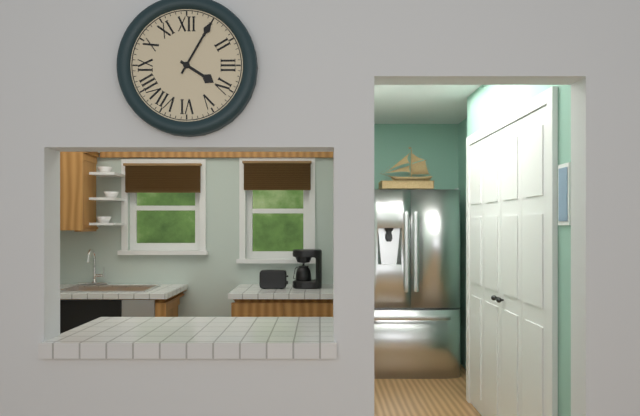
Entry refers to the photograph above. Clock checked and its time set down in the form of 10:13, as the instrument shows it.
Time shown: 4:05
